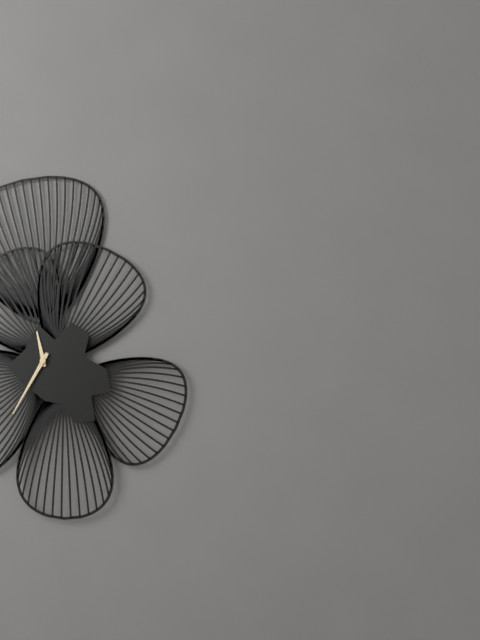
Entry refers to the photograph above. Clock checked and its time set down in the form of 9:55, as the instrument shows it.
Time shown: 11:35
